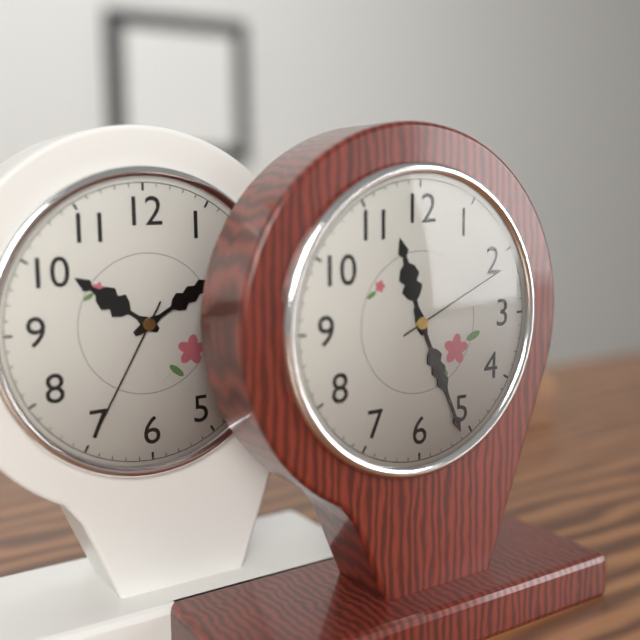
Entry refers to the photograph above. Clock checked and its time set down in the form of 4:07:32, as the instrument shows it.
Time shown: 11:26:11
